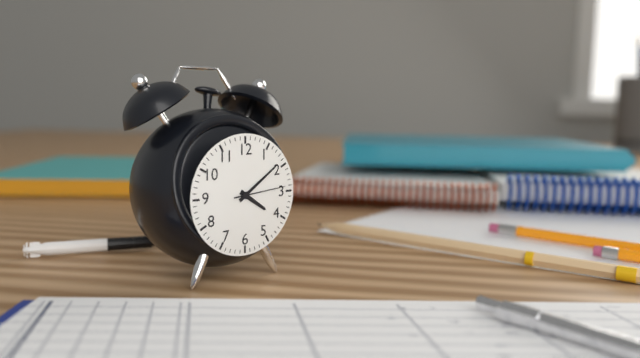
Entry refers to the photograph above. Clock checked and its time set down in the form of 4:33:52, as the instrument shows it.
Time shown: 4:09:14
